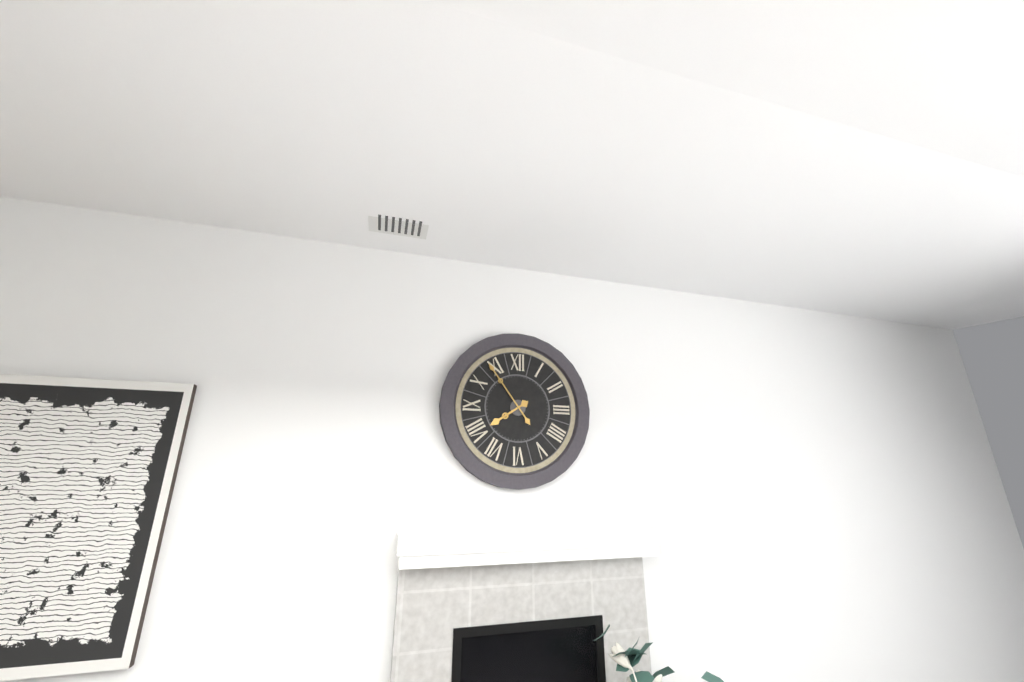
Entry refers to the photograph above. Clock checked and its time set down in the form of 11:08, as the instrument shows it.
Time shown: 7:54
